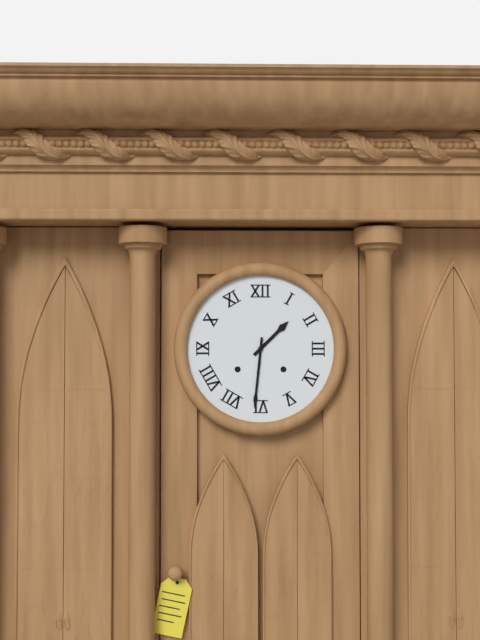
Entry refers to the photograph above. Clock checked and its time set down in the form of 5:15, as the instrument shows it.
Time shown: 1:31
